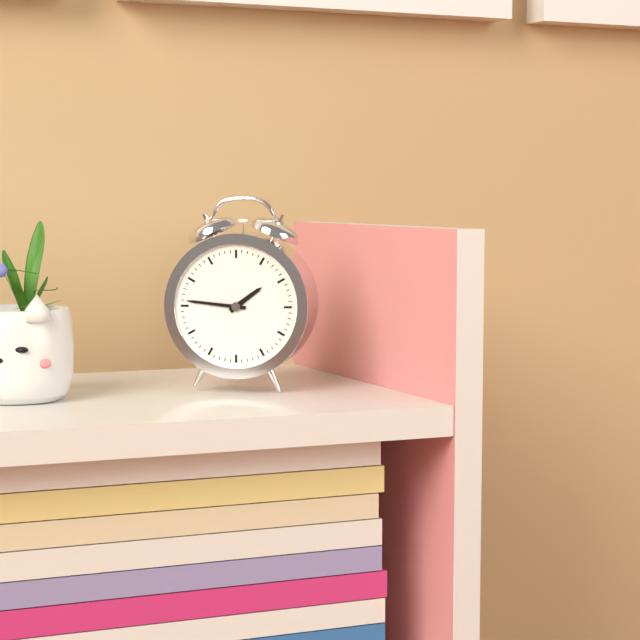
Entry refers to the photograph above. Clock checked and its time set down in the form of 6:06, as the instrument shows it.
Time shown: 1:46
